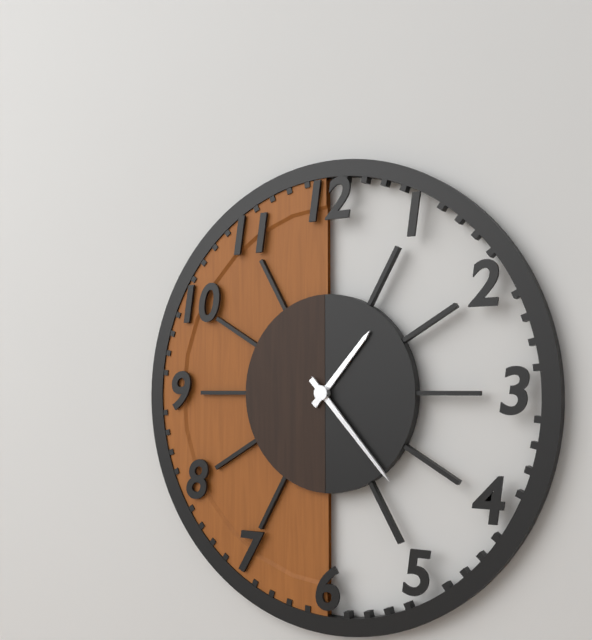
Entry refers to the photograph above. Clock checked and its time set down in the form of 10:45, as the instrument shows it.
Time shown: 1:23
